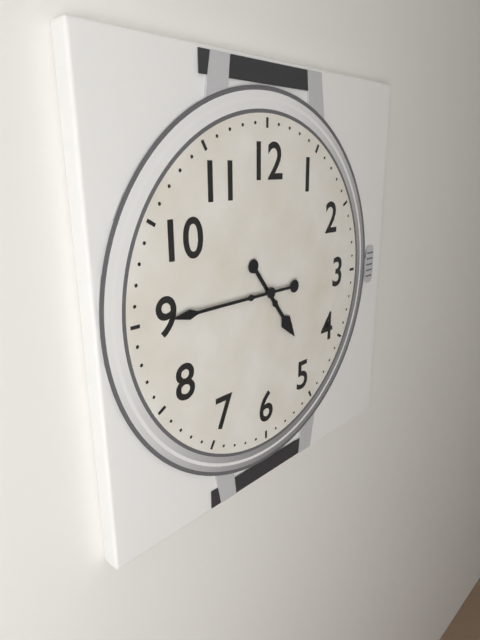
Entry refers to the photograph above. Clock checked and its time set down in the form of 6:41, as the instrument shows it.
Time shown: 4:45
